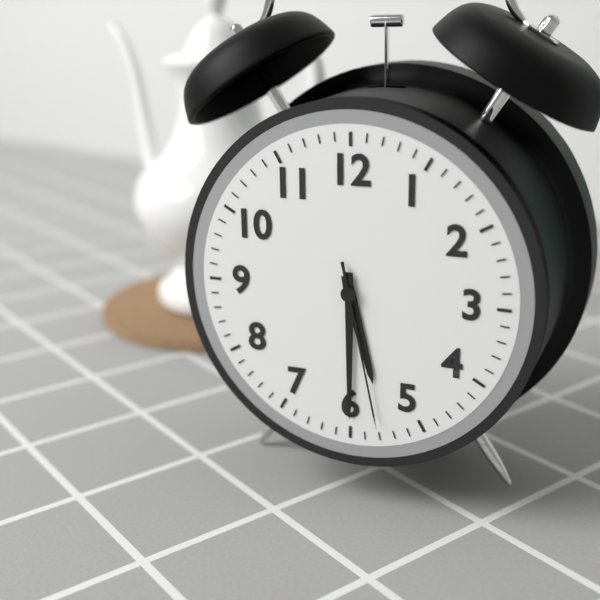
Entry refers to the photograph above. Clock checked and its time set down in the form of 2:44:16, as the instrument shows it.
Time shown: 5:30:28
